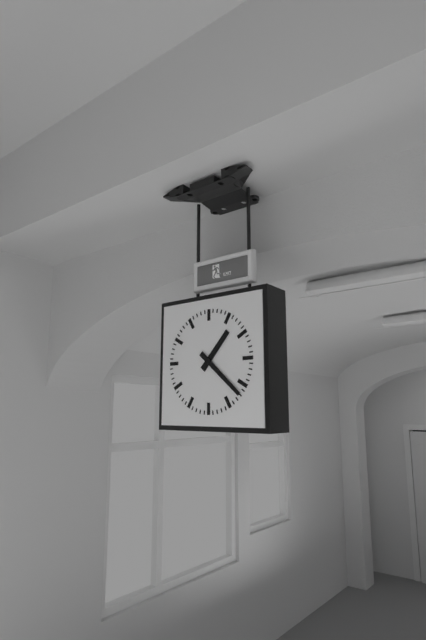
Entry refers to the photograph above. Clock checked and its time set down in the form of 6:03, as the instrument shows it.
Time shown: 1:22
